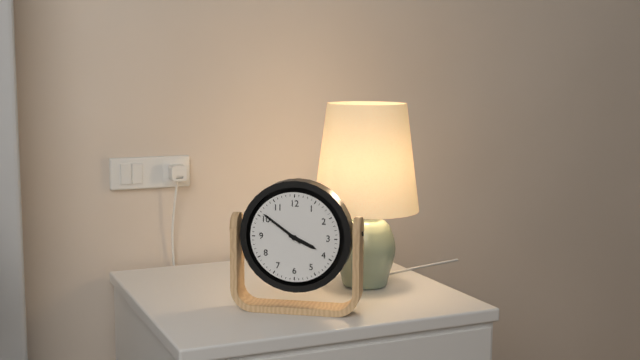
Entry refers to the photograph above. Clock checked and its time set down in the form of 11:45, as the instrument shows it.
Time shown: 3:51
